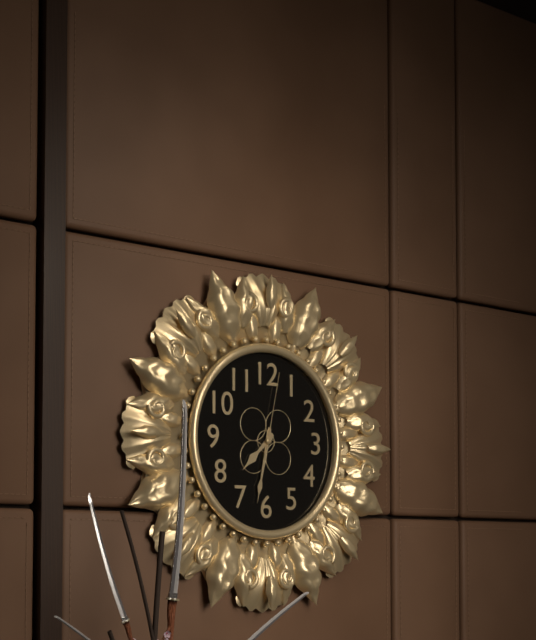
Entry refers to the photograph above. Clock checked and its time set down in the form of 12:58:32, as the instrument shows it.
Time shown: 7:32:02
